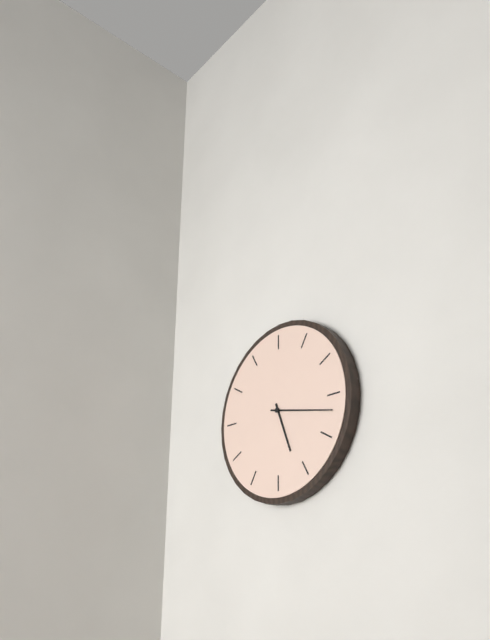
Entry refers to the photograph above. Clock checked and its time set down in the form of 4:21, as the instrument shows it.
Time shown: 5:17
